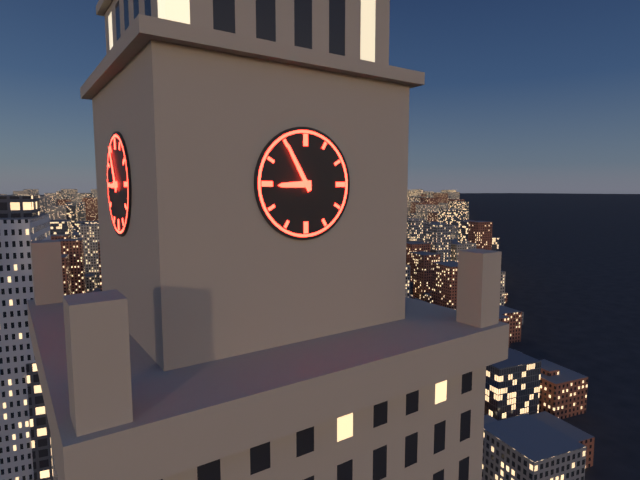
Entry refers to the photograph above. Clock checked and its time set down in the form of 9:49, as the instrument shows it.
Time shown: 8:55
